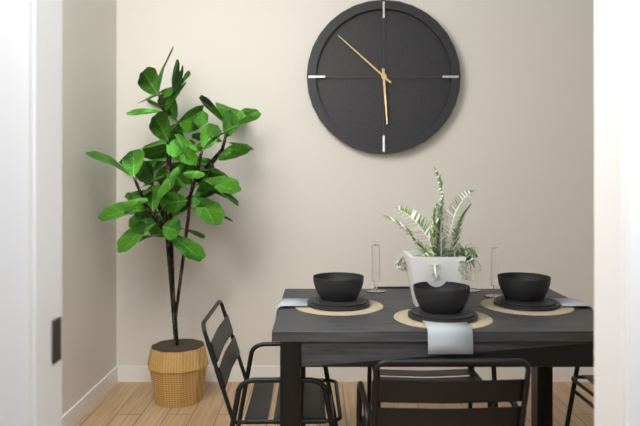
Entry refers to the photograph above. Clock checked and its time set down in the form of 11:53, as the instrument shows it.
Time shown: 5:52
